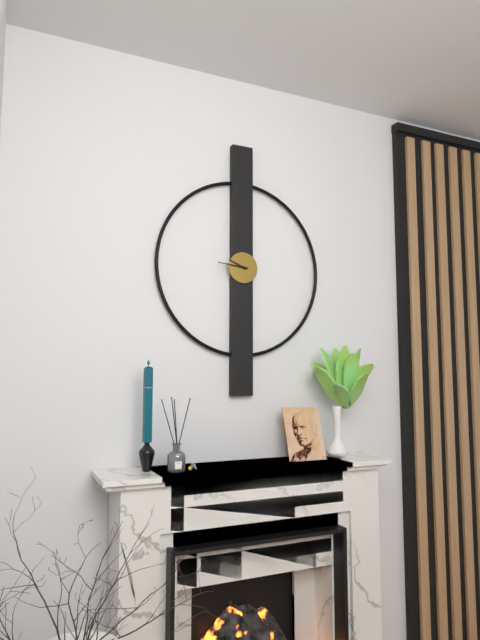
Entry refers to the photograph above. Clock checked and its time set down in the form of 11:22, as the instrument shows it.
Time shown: 9:46
